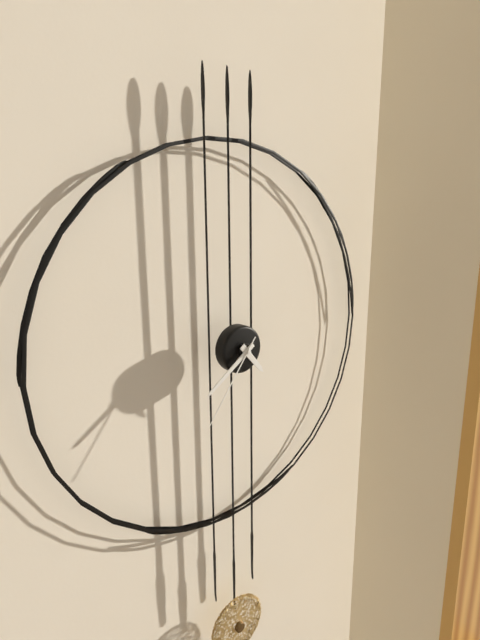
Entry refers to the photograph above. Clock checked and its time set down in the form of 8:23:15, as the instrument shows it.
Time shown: 4:39:36
